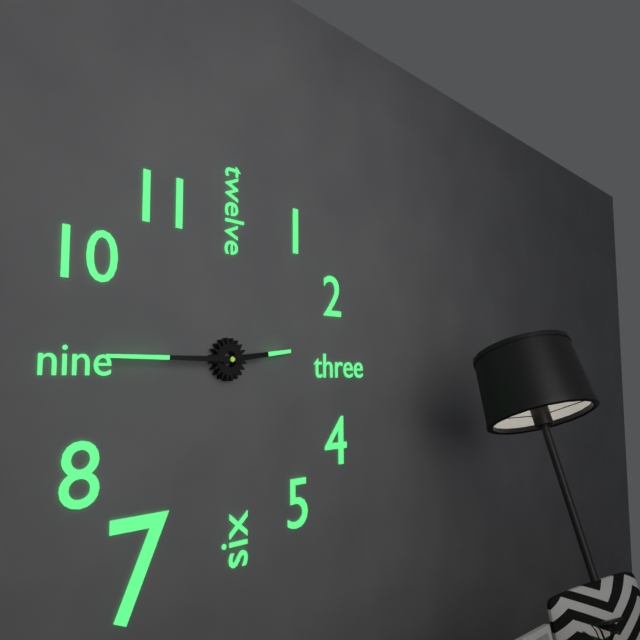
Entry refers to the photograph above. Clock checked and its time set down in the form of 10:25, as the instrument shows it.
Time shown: 2:45
